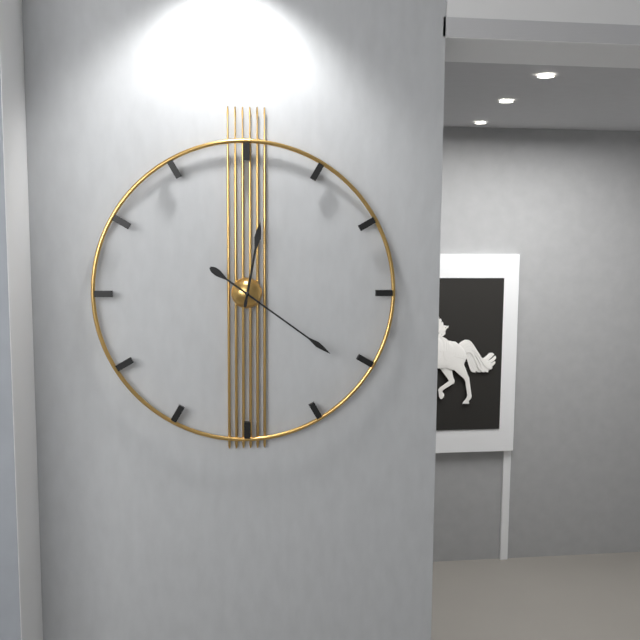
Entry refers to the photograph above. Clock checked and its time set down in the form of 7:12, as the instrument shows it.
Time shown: 12:21
